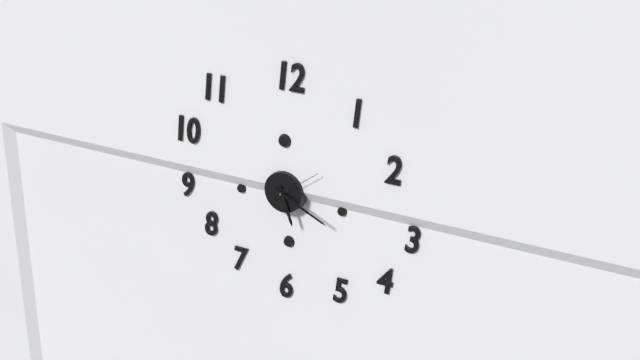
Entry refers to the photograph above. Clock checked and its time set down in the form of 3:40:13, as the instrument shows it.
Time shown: 5:19:09
